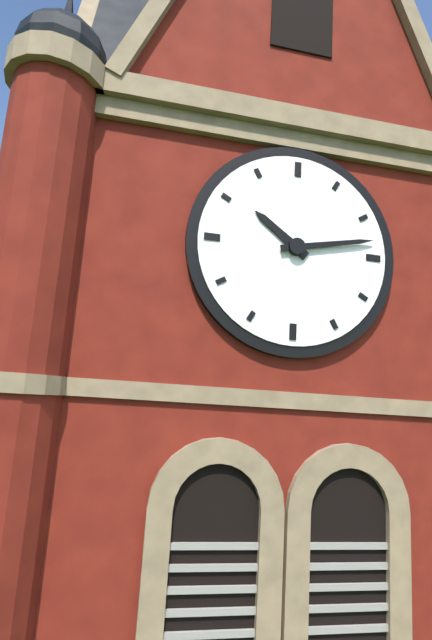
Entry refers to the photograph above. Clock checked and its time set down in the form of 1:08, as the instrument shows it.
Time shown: 10:13
